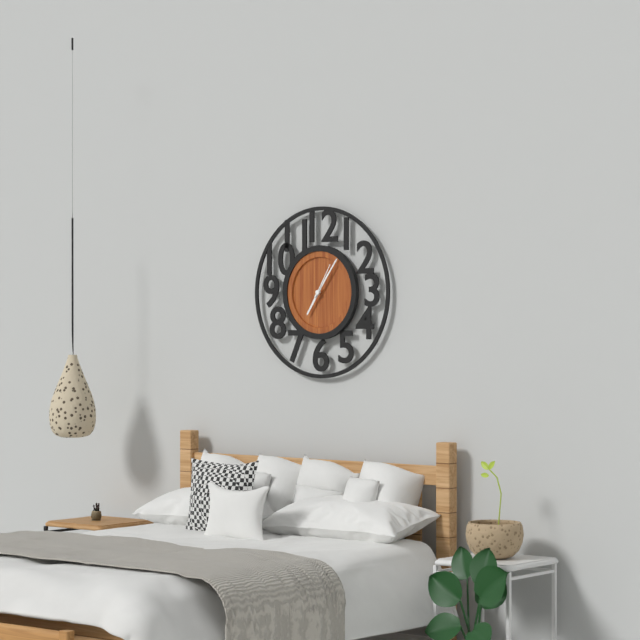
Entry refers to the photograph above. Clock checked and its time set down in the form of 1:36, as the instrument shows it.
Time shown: 7:06
